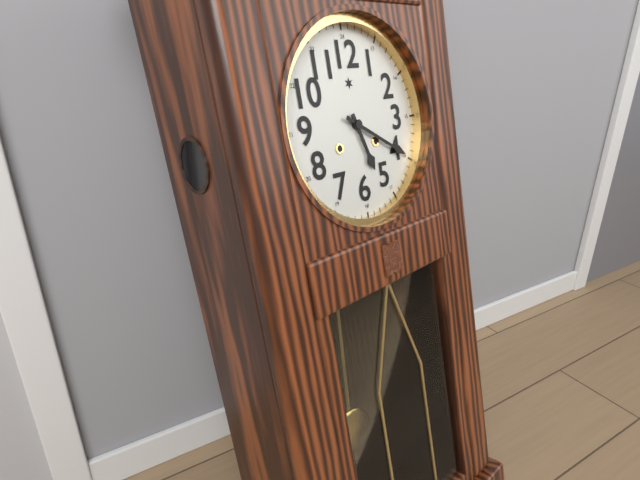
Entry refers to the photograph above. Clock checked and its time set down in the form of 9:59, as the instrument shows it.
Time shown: 5:20
